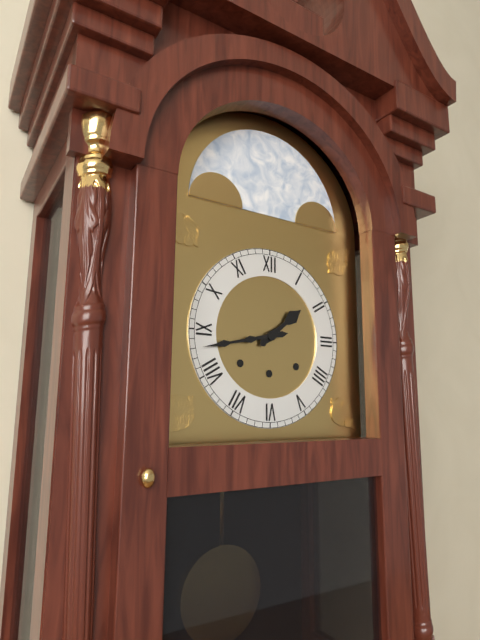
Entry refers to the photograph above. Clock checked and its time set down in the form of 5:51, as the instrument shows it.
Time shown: 1:43
